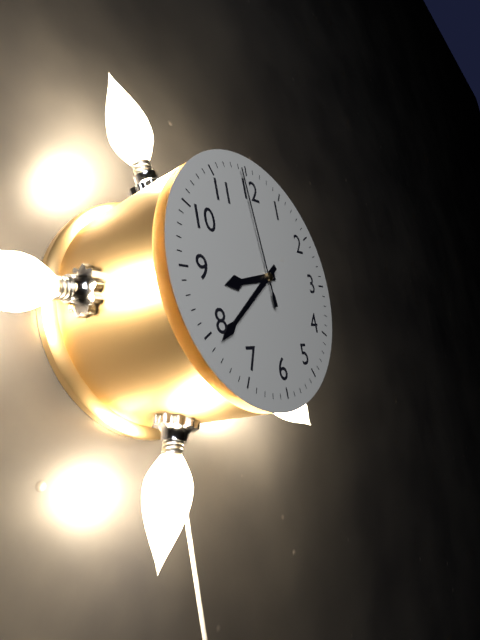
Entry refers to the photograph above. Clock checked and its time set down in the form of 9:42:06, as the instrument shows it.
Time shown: 8:39:59
